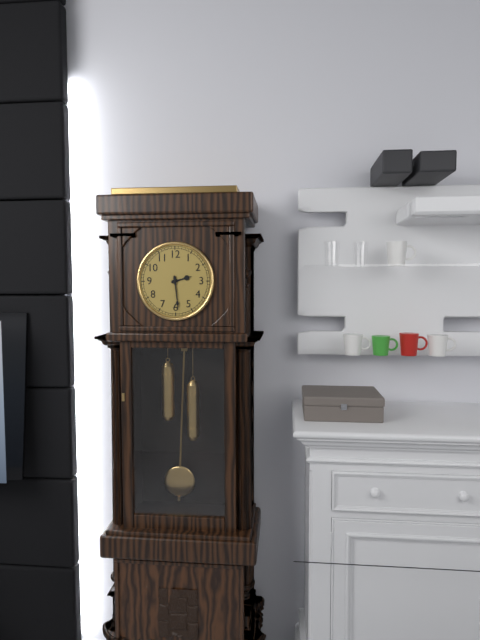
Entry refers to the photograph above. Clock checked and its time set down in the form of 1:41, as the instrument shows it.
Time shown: 2:29
